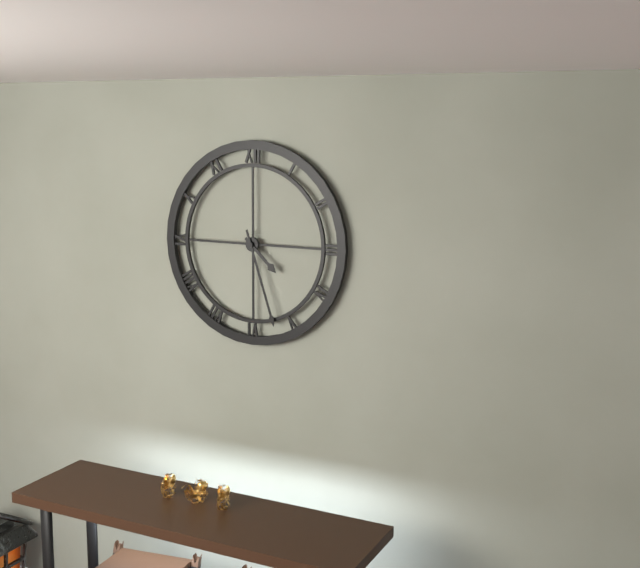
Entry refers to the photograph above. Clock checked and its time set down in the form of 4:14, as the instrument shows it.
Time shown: 4:27
